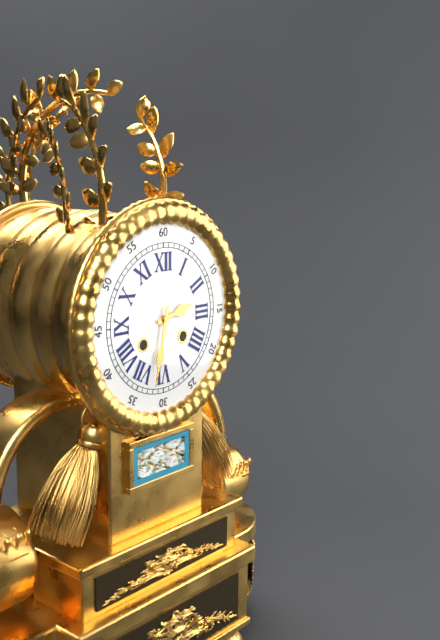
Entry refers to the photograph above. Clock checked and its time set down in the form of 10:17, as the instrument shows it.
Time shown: 2:32
